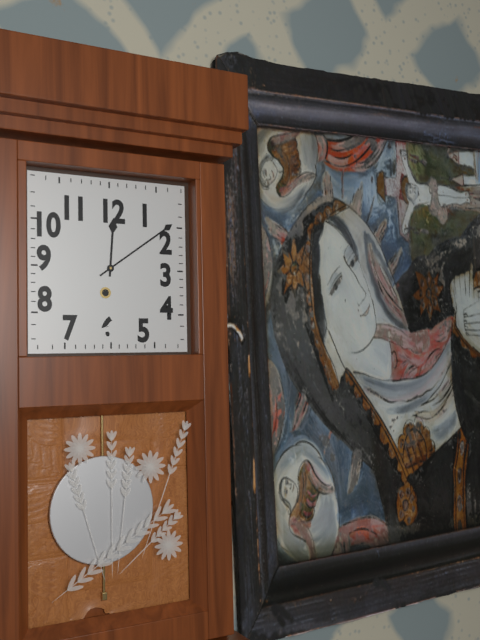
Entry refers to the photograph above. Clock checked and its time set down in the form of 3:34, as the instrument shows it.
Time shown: 12:09
